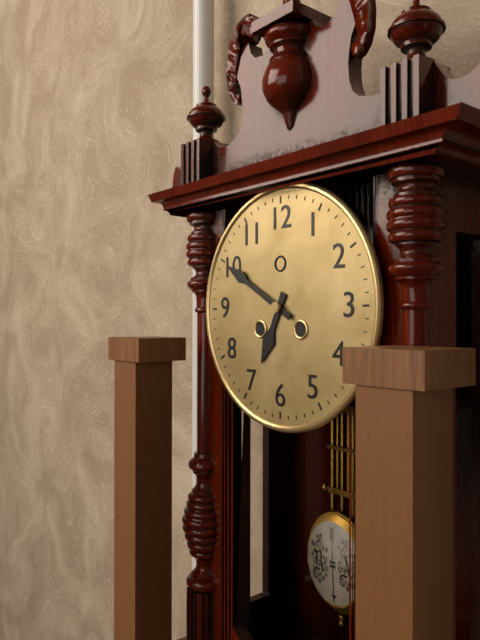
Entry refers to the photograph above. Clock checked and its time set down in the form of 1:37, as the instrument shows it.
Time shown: 6:50
